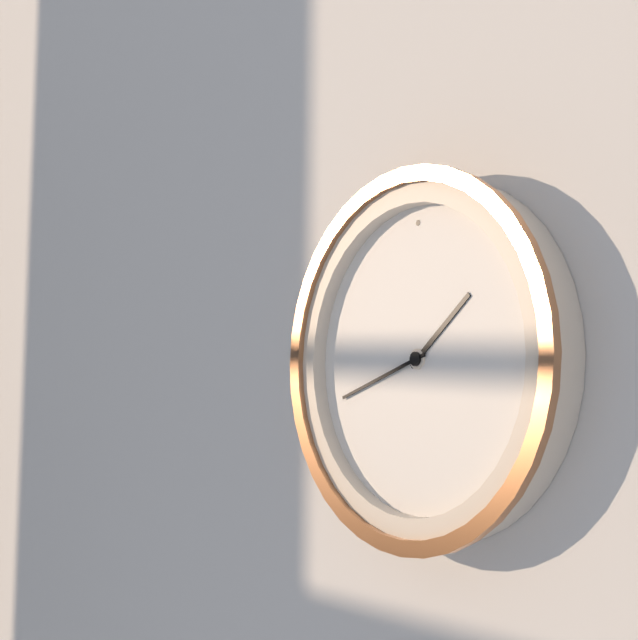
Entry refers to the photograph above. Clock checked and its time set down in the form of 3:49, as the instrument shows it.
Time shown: 1:42
